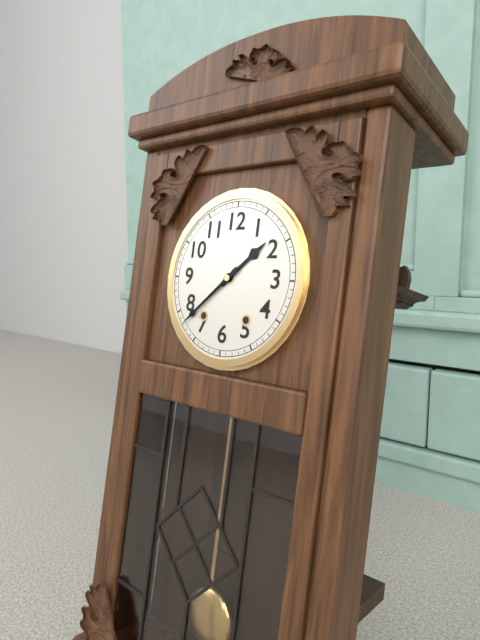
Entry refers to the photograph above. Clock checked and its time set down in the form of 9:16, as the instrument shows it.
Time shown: 1:38
